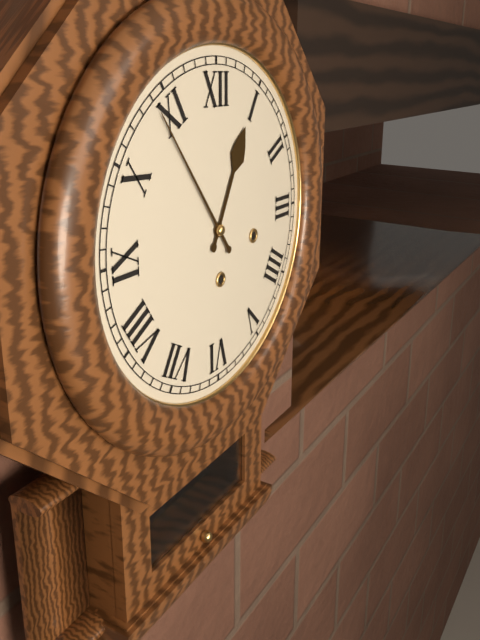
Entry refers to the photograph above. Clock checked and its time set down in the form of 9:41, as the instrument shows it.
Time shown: 12:54
